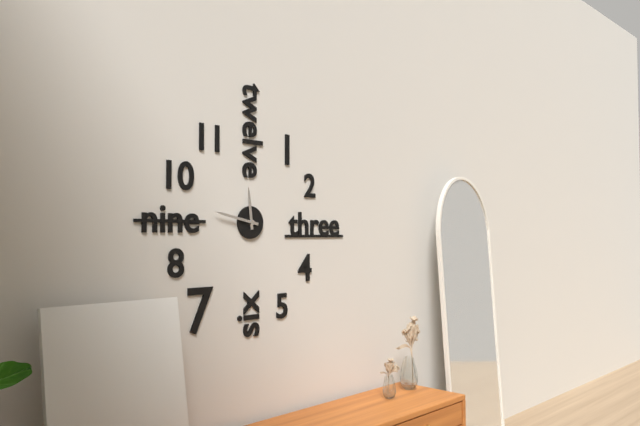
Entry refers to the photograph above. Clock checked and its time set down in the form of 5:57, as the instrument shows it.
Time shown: 11:47
